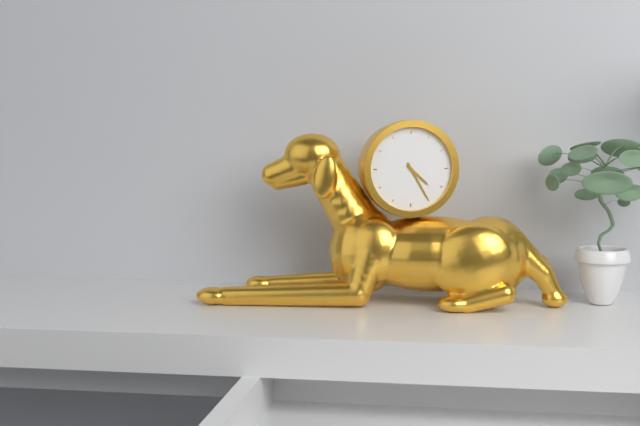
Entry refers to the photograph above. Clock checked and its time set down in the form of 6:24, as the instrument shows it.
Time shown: 4:25
